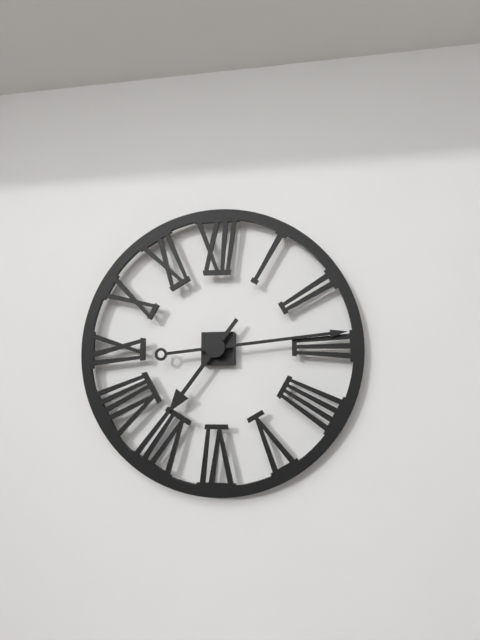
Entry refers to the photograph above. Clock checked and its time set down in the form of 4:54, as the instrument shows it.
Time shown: 7:14
